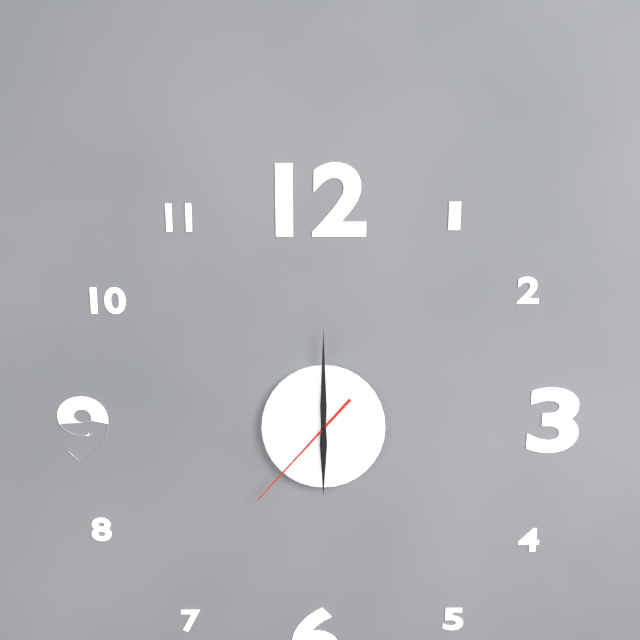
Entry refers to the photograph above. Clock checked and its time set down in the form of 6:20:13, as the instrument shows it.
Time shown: 6:00:37
